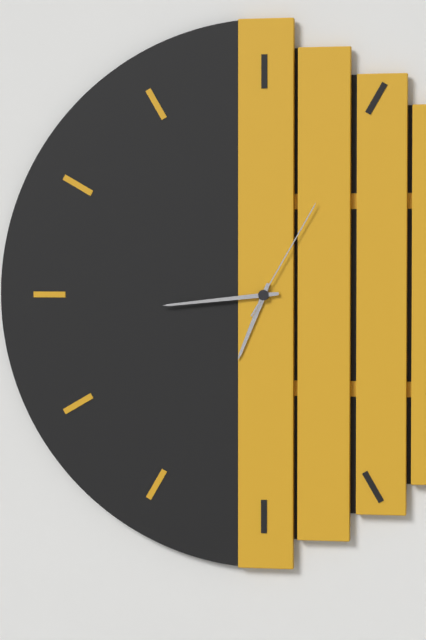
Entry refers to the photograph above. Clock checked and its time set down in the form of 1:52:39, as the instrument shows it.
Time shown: 6:44:05
